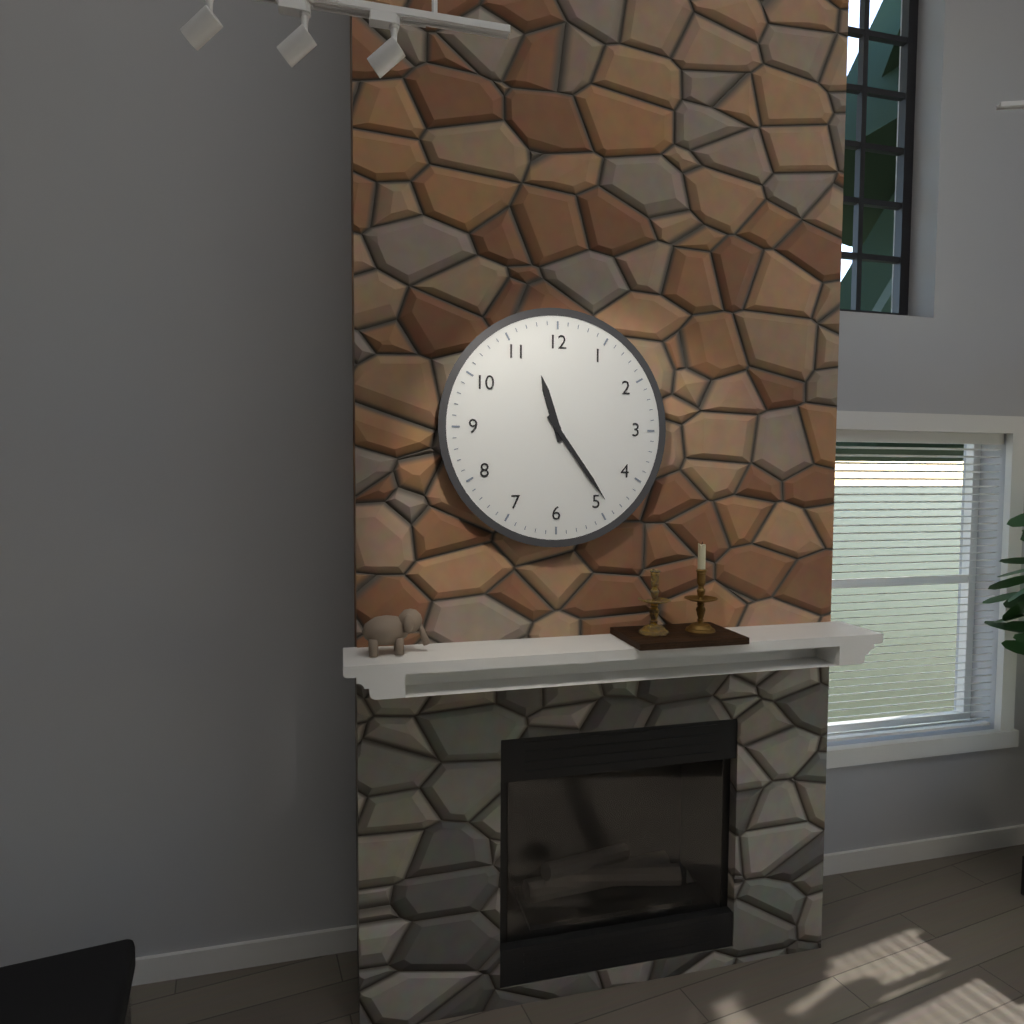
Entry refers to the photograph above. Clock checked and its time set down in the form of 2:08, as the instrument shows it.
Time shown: 11:24
